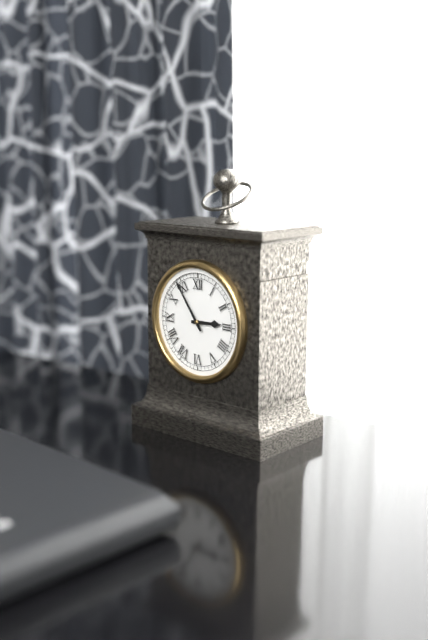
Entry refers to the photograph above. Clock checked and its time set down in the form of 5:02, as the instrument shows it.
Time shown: 2:54
